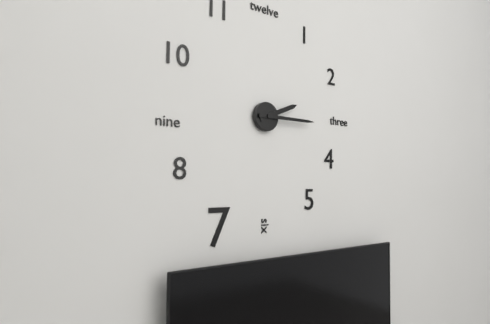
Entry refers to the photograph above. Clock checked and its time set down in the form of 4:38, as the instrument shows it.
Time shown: 2:15
